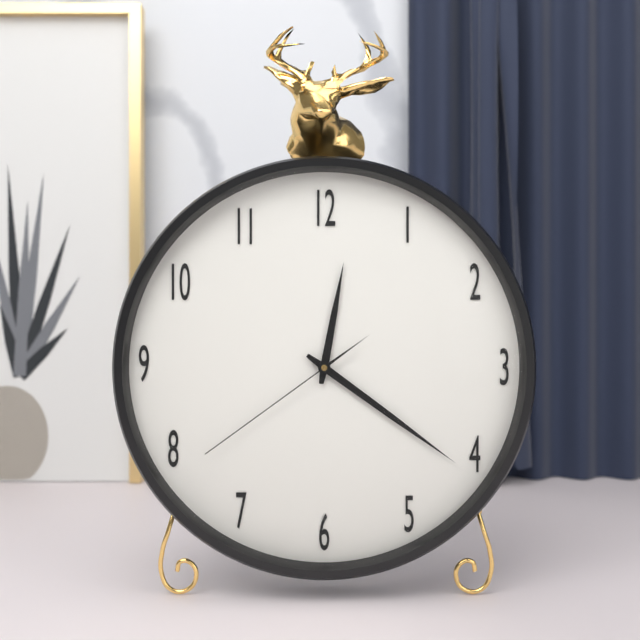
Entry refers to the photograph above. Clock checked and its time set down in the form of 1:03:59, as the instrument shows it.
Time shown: 12:21:39
